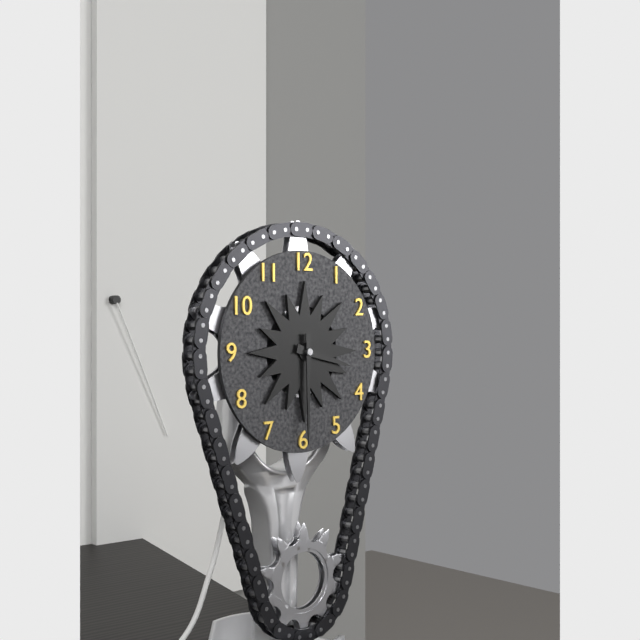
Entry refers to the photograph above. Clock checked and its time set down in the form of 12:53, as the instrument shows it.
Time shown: 3:30
